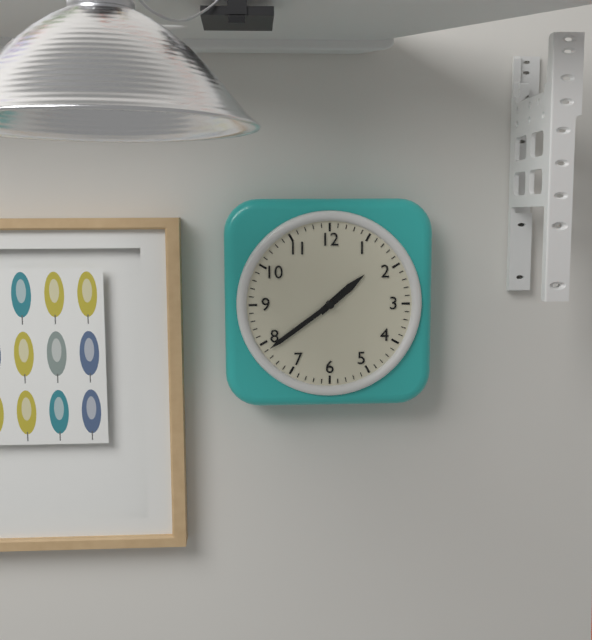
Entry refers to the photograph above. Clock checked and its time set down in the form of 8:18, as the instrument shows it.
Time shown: 1:39
